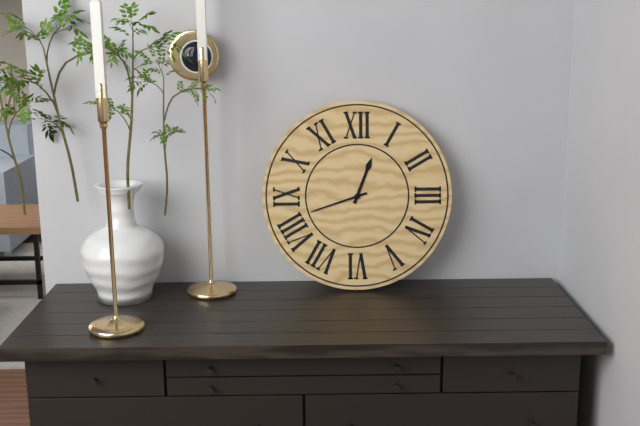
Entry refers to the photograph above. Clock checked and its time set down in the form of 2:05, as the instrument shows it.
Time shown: 12:42
